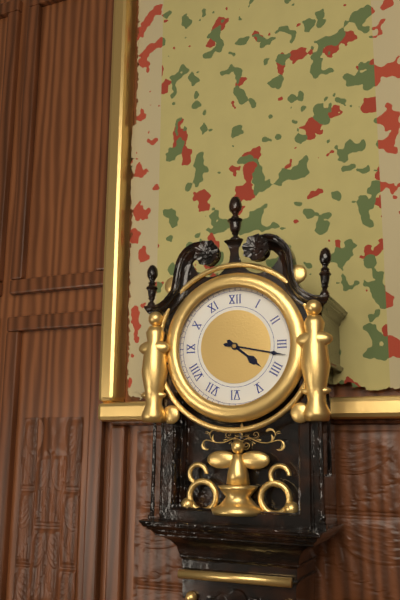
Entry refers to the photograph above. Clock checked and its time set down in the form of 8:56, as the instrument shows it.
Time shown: 4:17
